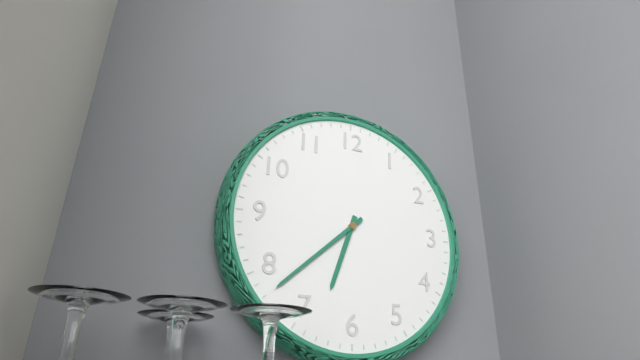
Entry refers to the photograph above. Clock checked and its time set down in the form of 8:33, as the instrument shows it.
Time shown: 6:38
